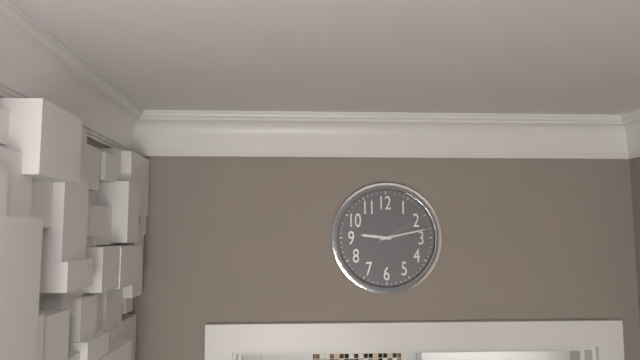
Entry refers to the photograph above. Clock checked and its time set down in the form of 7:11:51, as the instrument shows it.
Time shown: 9:13:10
